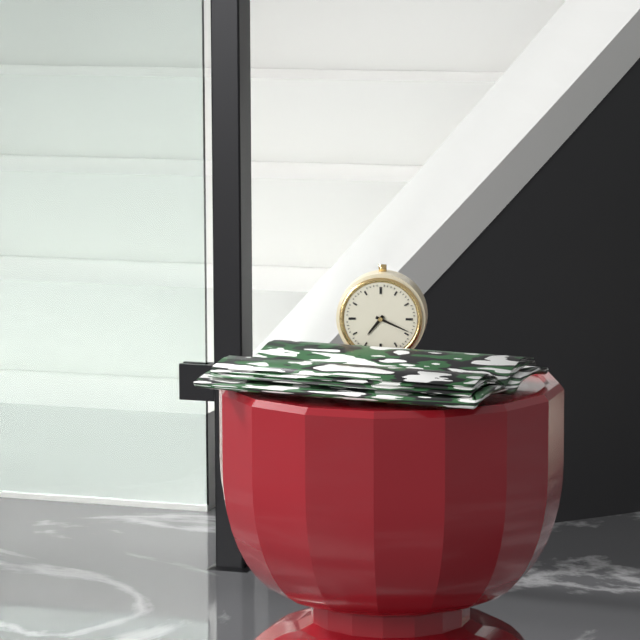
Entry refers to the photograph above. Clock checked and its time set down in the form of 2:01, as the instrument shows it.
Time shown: 7:19
